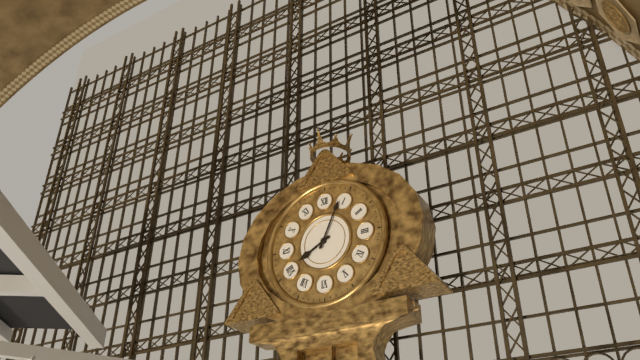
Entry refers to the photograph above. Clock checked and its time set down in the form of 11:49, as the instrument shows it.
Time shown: 8:04
